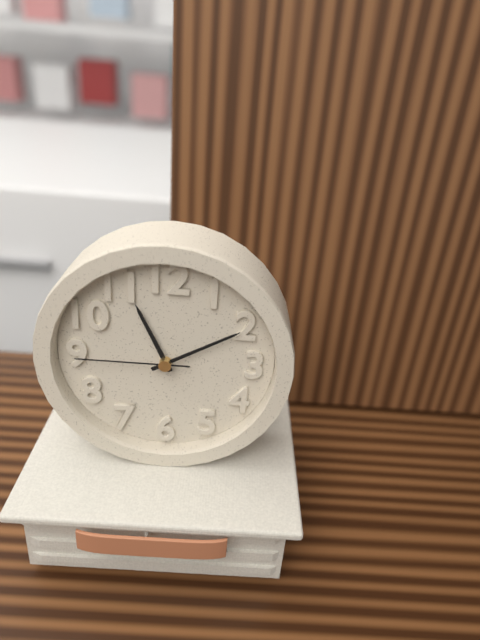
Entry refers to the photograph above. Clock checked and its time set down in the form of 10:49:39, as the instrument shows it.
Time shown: 11:10:45
